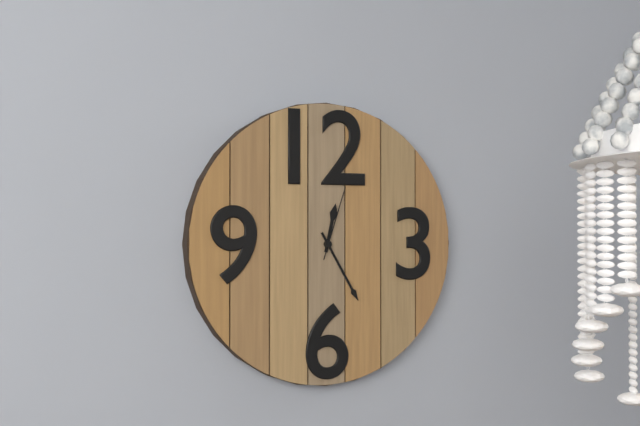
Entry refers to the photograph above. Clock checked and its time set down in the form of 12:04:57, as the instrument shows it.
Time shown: 12:25:03
